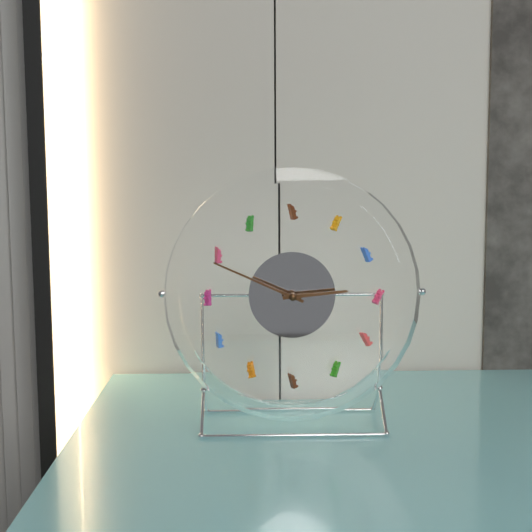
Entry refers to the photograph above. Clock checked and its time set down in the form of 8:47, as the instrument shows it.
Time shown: 2:49
